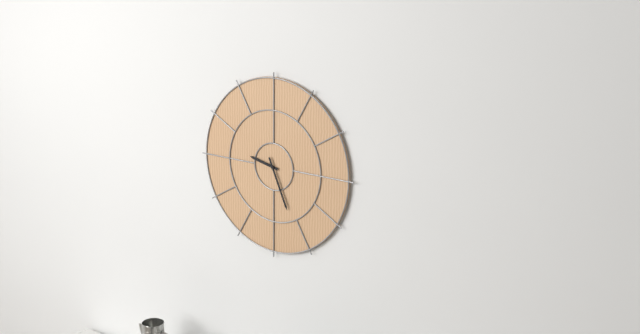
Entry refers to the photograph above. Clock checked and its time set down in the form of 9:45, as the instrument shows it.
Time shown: 9:26
